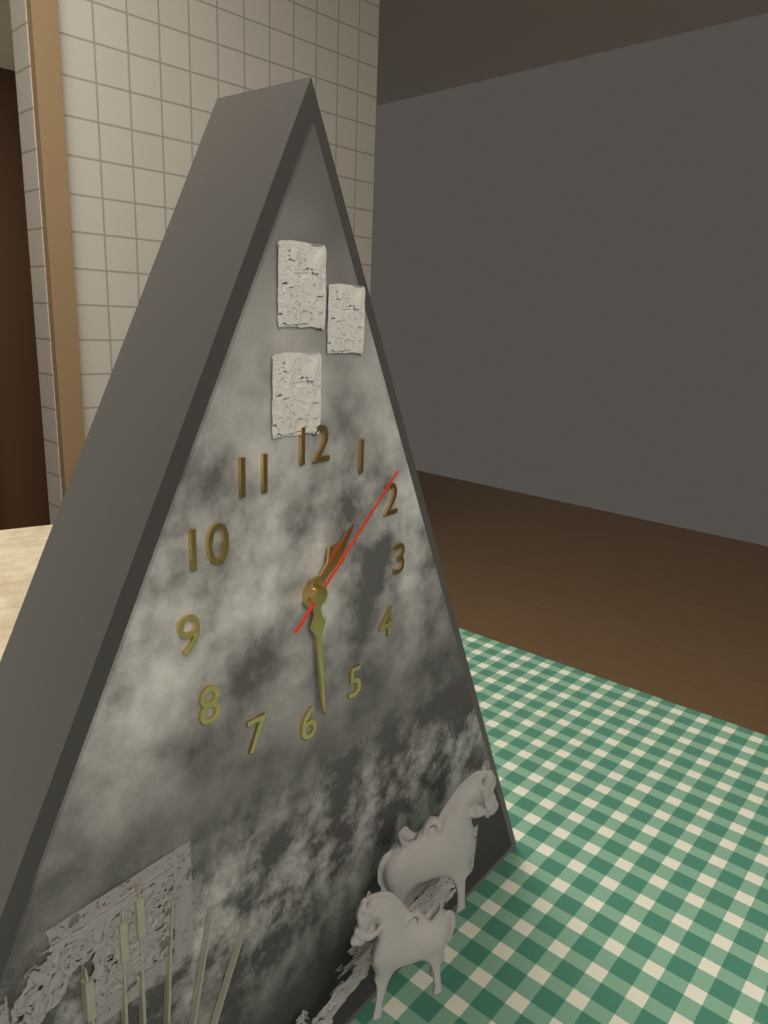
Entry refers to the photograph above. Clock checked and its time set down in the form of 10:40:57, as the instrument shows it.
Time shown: 1:29:08
